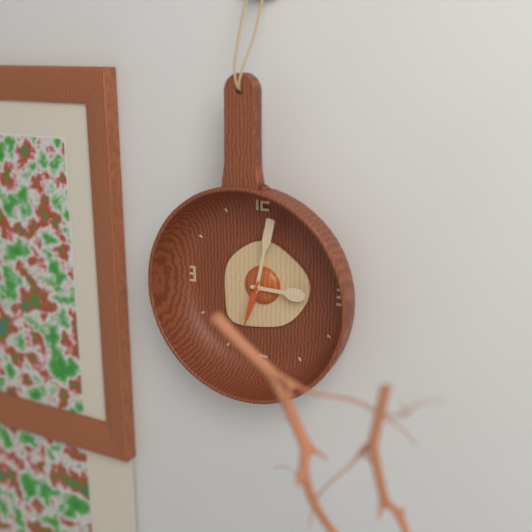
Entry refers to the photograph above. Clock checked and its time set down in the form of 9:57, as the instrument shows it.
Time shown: 3:02
